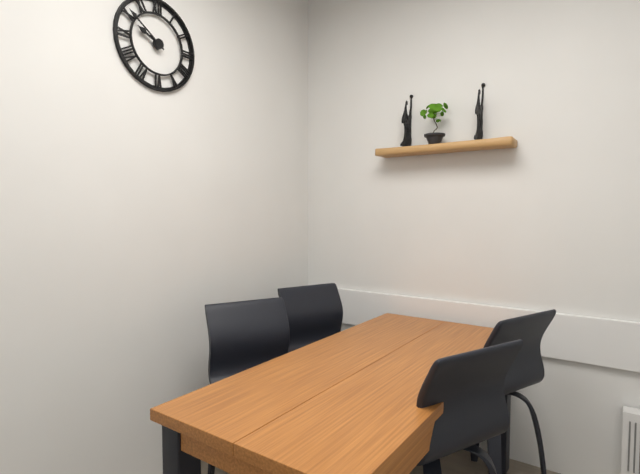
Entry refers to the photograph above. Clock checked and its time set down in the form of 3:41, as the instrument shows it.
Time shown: 9:51
